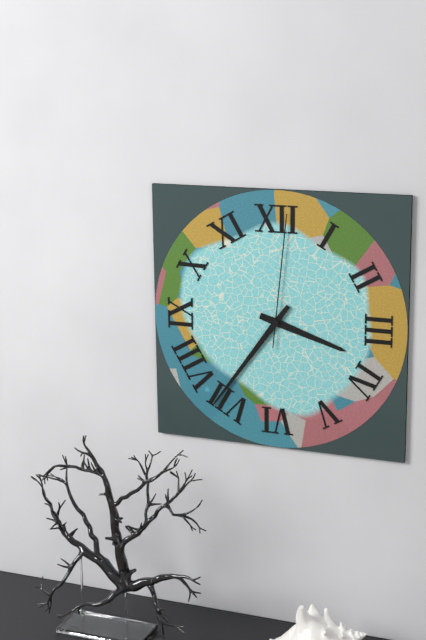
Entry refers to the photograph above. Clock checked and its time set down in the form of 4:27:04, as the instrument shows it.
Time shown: 3:36:01
